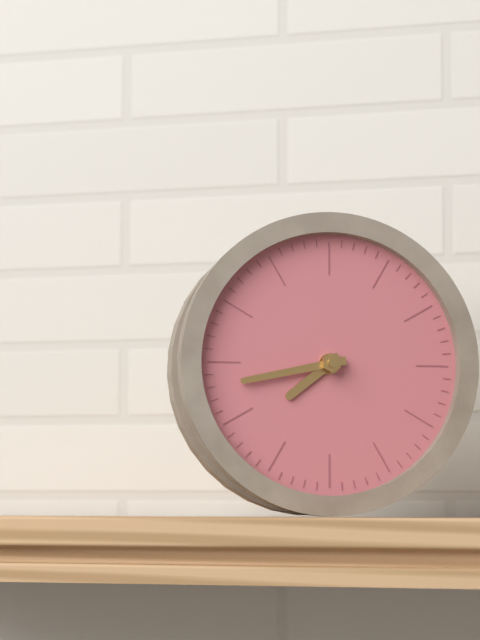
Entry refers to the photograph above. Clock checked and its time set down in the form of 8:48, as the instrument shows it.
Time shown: 7:43
